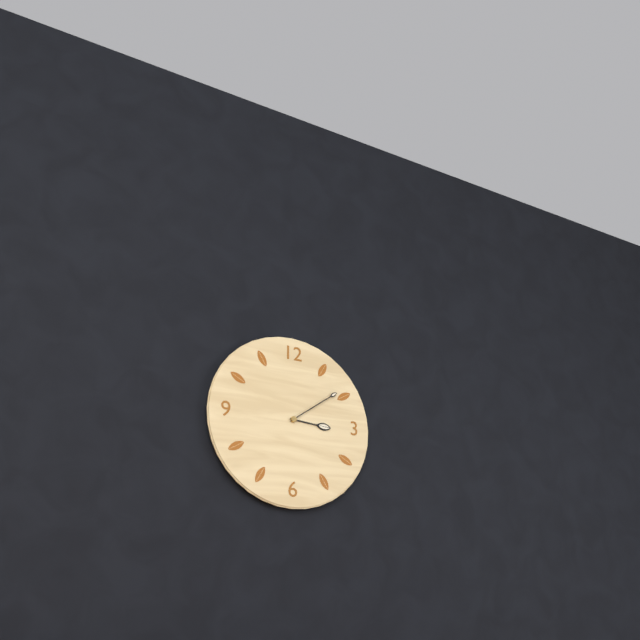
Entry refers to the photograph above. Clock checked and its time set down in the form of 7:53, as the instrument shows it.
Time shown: 3:09
